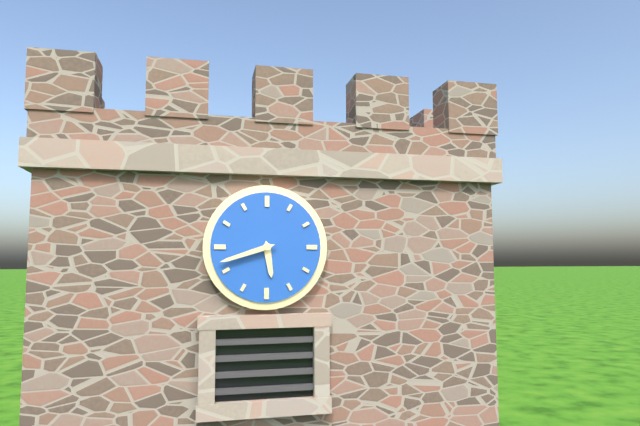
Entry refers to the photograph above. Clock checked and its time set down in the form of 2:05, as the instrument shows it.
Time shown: 5:42
